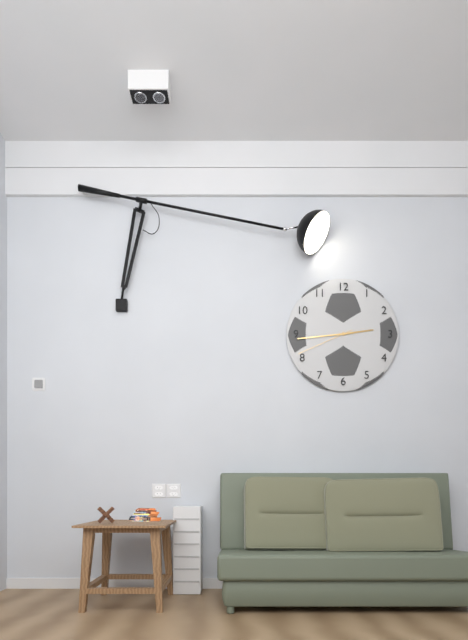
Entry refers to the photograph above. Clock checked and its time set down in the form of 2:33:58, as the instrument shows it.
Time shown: 2:44:41
